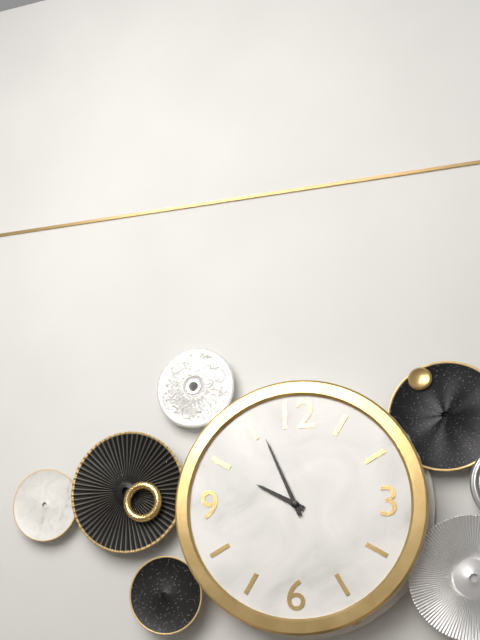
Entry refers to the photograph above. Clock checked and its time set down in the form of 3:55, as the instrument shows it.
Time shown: 9:56
